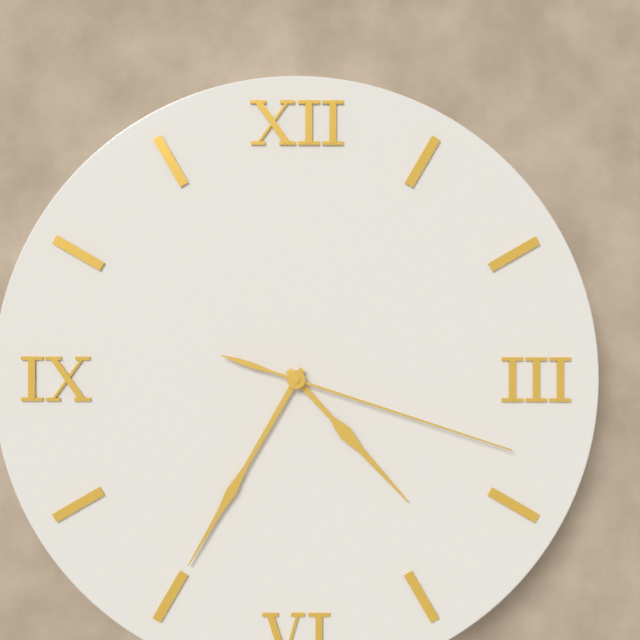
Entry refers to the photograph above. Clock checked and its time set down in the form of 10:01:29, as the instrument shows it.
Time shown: 4:35:18
